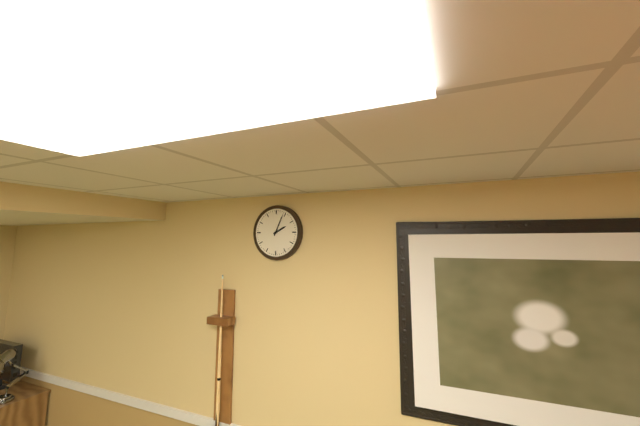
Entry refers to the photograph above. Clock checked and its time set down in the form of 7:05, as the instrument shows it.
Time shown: 2:04
